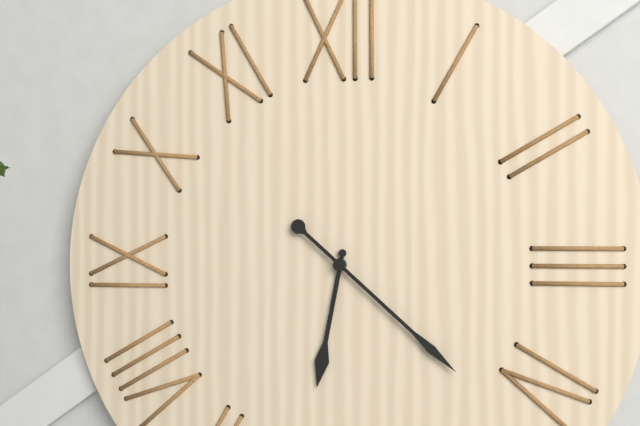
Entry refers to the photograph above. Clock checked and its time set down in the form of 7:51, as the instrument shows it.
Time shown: 6:22
